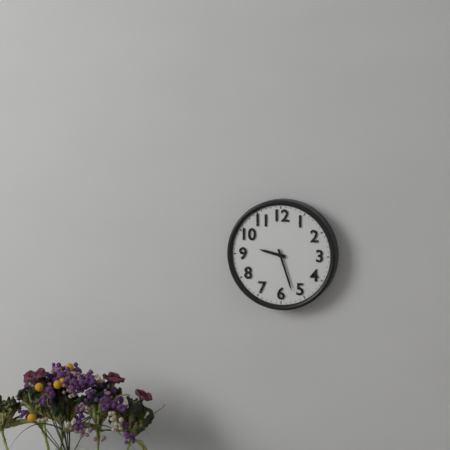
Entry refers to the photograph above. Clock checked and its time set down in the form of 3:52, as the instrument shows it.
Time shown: 9:27
